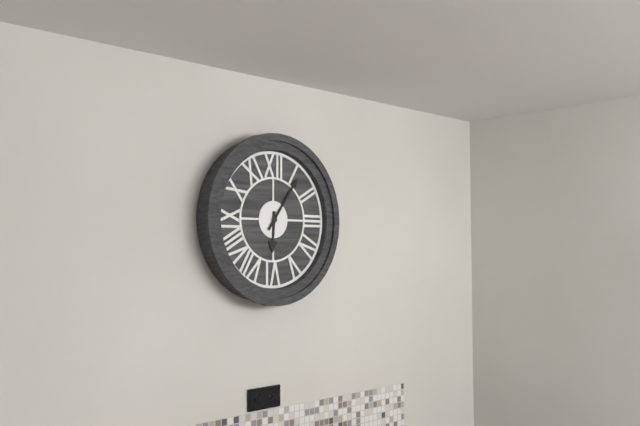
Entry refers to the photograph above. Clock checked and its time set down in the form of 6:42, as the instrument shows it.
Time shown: 6:06
